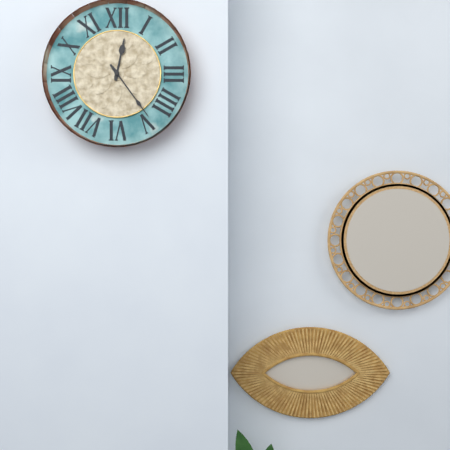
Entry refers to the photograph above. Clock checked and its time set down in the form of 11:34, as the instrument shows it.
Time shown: 12:24
